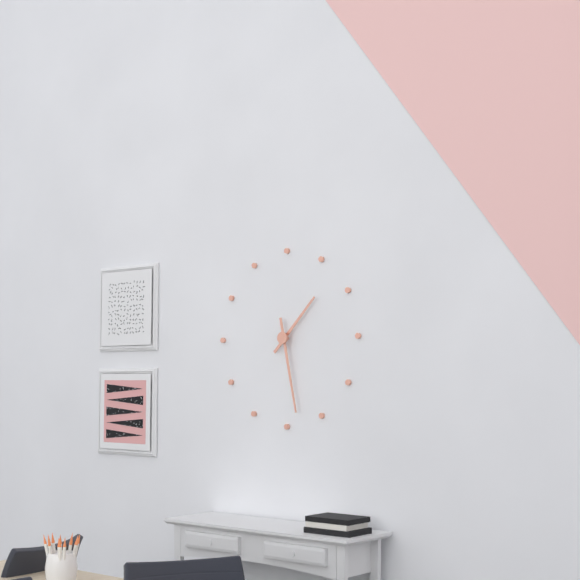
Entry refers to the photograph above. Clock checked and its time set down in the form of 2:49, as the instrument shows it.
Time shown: 1:28
